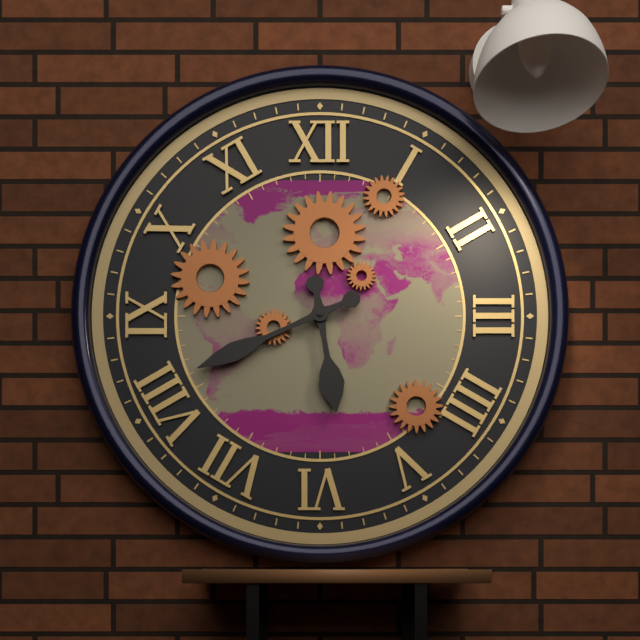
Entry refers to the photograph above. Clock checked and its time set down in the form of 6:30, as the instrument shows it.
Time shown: 5:41
